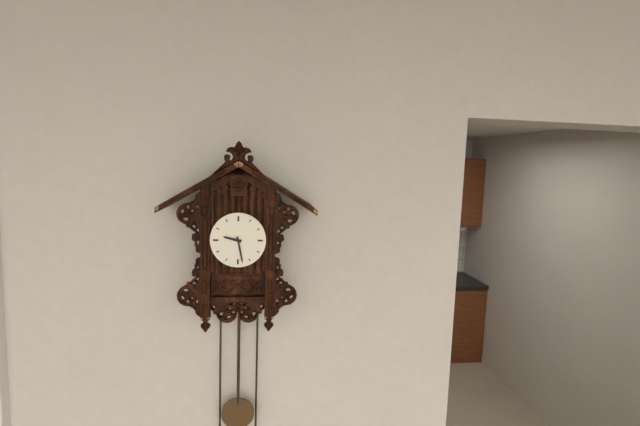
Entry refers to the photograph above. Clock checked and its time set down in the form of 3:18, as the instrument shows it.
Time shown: 9:28
